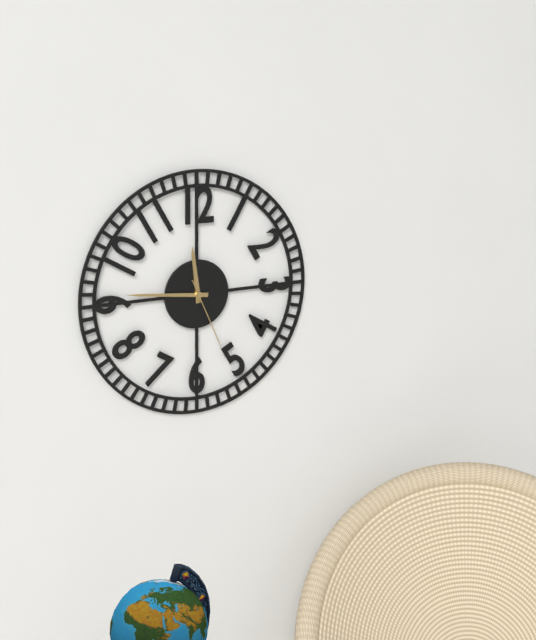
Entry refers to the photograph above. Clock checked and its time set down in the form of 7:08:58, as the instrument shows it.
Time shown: 11:46:26
